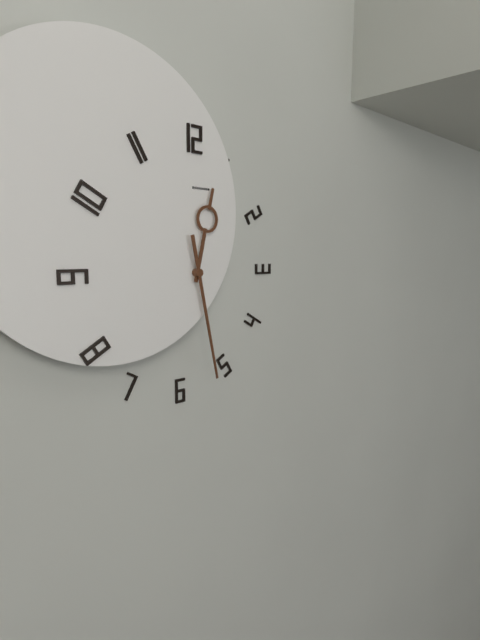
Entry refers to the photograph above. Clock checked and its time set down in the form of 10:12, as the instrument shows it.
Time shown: 12:28
